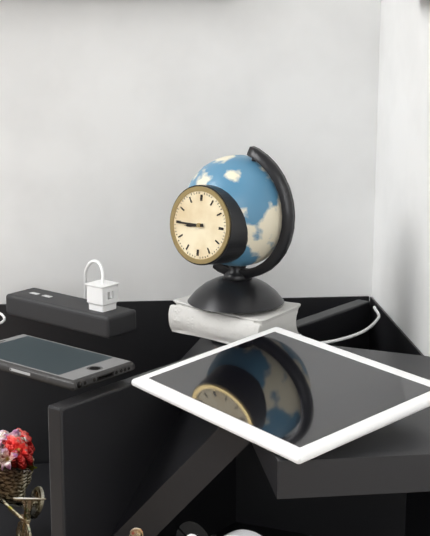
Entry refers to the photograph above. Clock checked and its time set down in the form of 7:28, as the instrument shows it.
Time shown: 8:45
